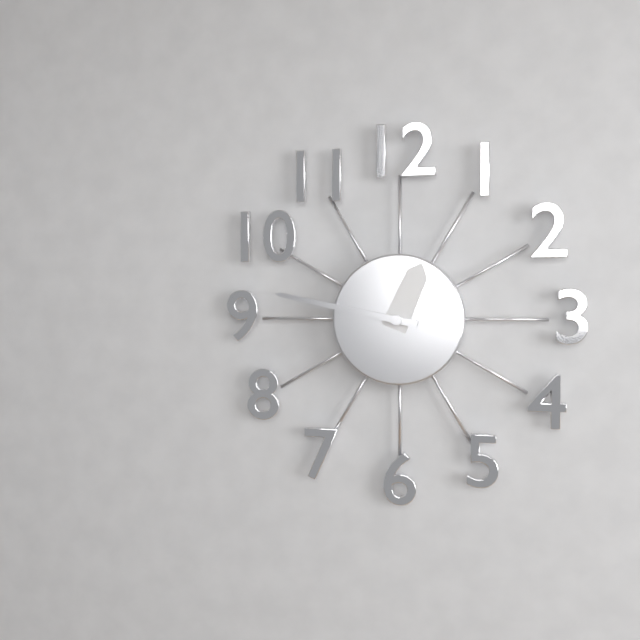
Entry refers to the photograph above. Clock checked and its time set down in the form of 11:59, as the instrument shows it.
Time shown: 12:47
